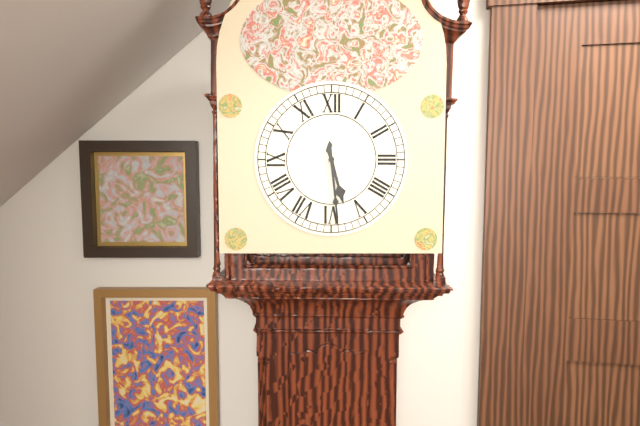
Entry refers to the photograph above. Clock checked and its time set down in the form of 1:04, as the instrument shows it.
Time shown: 5:29
